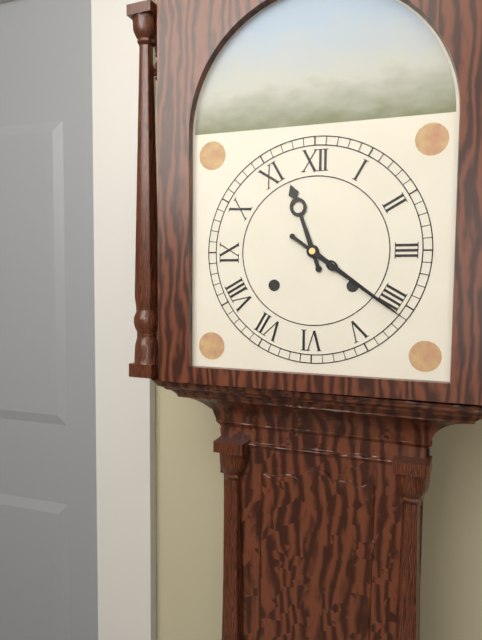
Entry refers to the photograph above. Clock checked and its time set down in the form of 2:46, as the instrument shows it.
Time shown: 11:21
